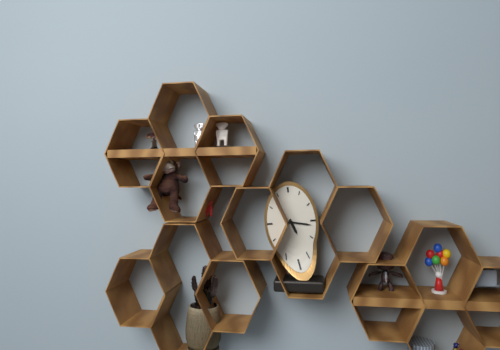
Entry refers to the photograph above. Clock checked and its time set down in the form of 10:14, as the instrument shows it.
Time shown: 5:17
